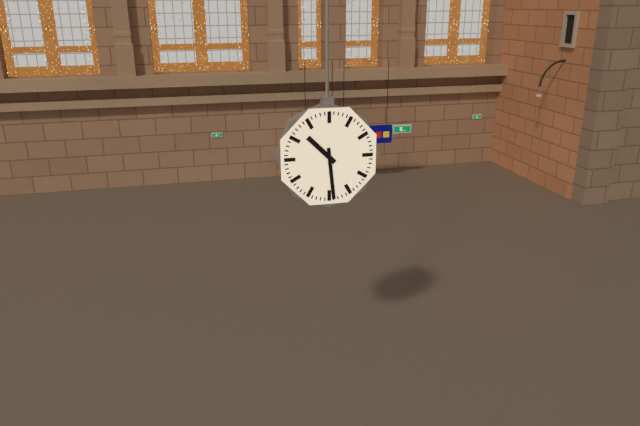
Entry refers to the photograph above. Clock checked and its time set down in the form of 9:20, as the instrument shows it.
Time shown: 10:29
